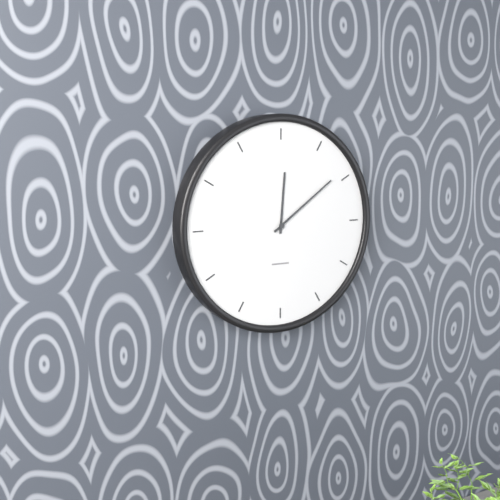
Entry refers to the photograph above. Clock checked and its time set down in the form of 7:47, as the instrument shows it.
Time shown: 12:09
